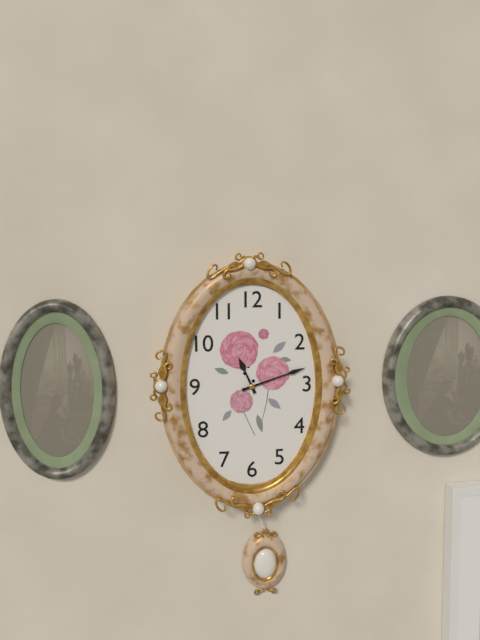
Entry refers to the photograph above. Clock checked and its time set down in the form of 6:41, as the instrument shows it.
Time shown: 11:12
